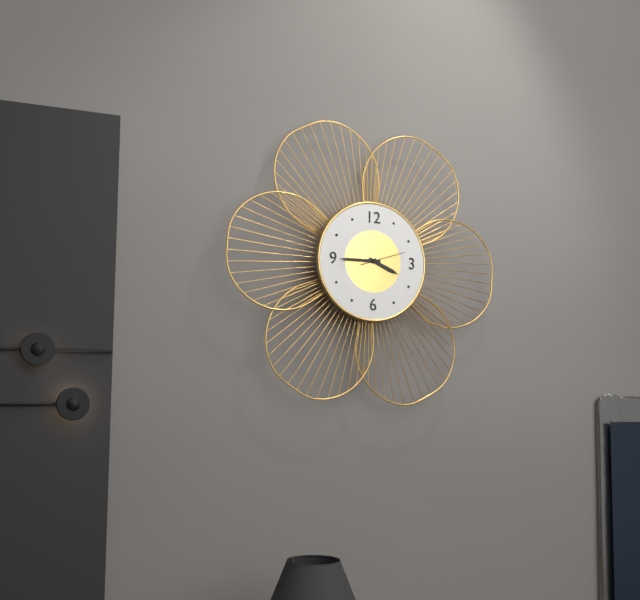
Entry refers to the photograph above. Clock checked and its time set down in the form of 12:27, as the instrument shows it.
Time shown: 3:45
